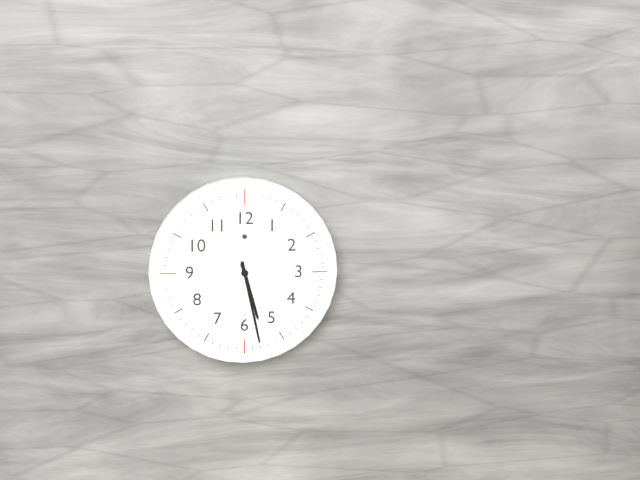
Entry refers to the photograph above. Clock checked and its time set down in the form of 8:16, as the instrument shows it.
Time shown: 5:28
